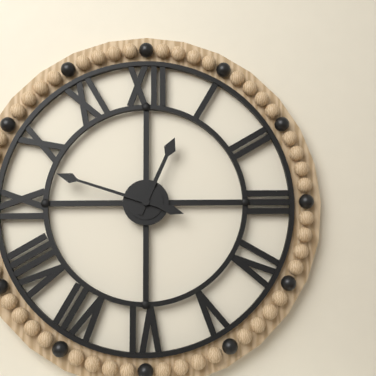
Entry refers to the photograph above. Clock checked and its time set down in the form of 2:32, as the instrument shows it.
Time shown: 12:48
